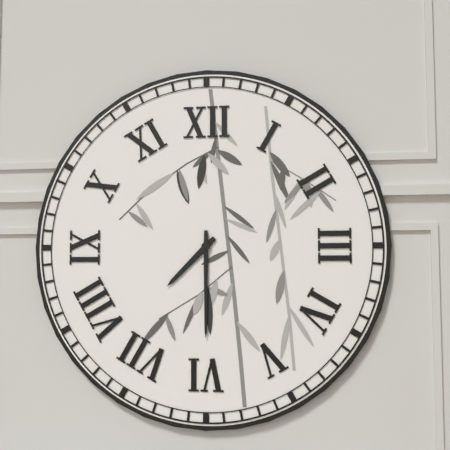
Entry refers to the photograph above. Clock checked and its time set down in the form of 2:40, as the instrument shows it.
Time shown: 7:30
